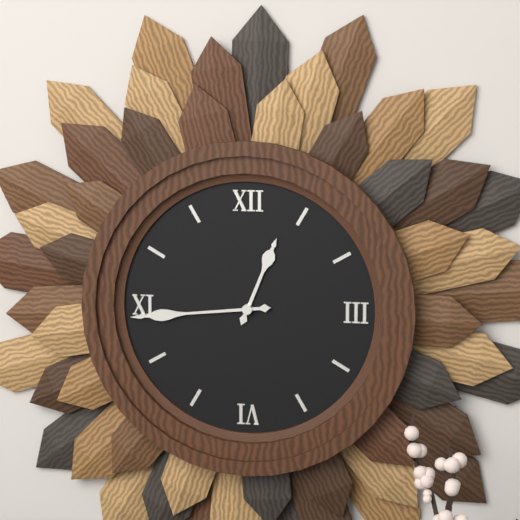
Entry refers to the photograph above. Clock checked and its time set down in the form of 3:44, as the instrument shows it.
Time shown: 12:44
